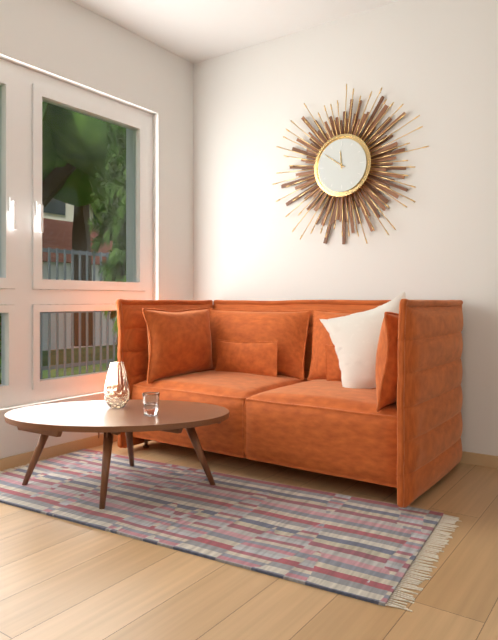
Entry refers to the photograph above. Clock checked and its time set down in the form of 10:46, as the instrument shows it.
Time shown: 11:51
